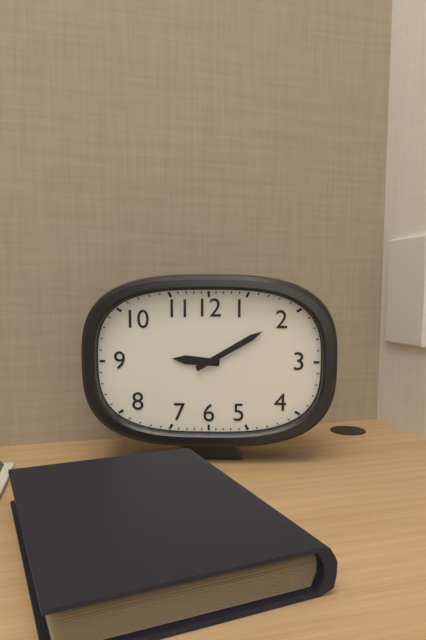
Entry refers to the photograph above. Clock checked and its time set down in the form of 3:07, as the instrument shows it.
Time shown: 9:10
